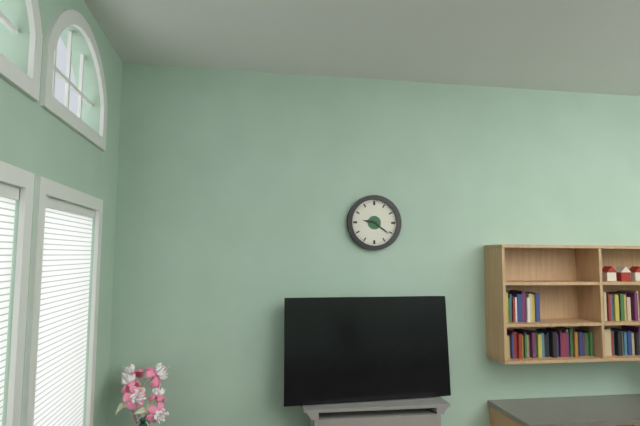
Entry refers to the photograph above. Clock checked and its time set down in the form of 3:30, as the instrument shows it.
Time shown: 9:21
